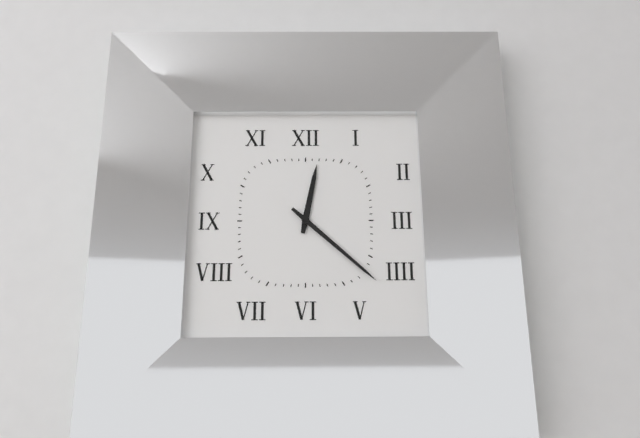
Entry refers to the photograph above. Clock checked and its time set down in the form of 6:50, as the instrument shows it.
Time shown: 12:22
